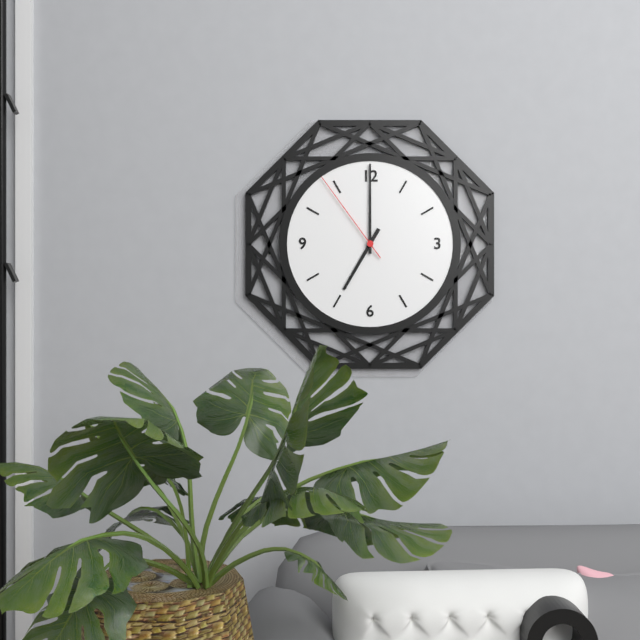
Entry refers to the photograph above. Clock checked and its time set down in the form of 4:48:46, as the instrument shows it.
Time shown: 7:00:54
